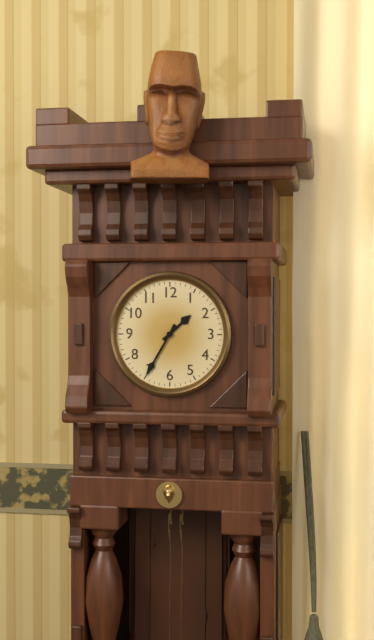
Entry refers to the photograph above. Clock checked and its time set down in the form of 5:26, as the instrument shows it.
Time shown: 1:35
